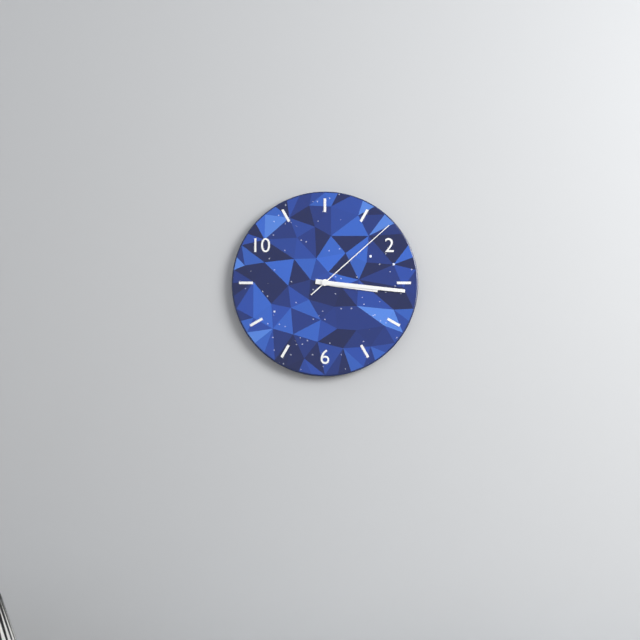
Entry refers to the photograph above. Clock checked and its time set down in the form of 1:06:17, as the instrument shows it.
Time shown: 3:16:08
